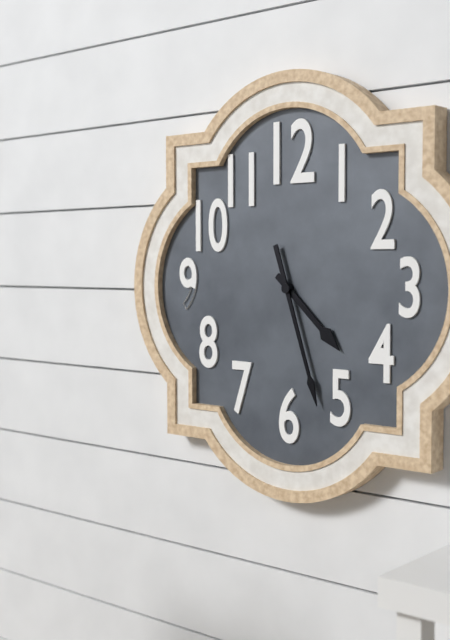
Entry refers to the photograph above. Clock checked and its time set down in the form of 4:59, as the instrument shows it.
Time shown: 4:27
